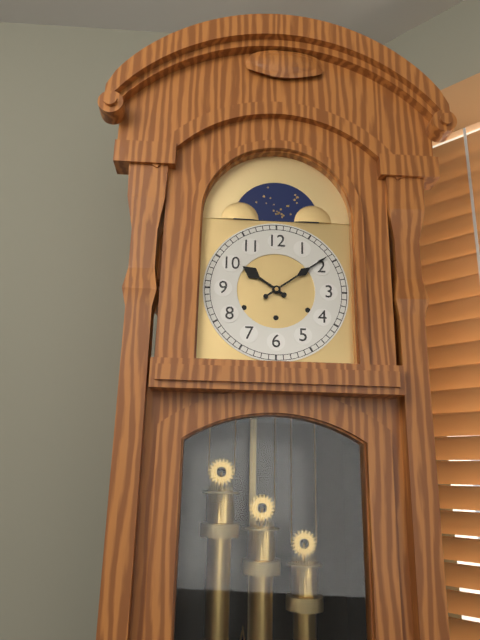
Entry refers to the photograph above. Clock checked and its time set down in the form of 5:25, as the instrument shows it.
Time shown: 10:09
